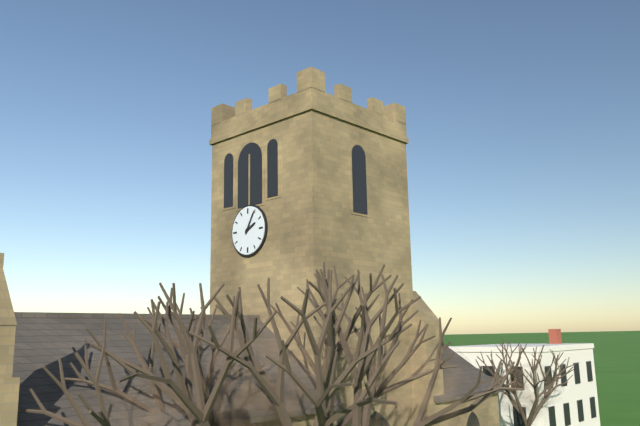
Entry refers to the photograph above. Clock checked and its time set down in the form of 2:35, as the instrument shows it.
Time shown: 2:05
